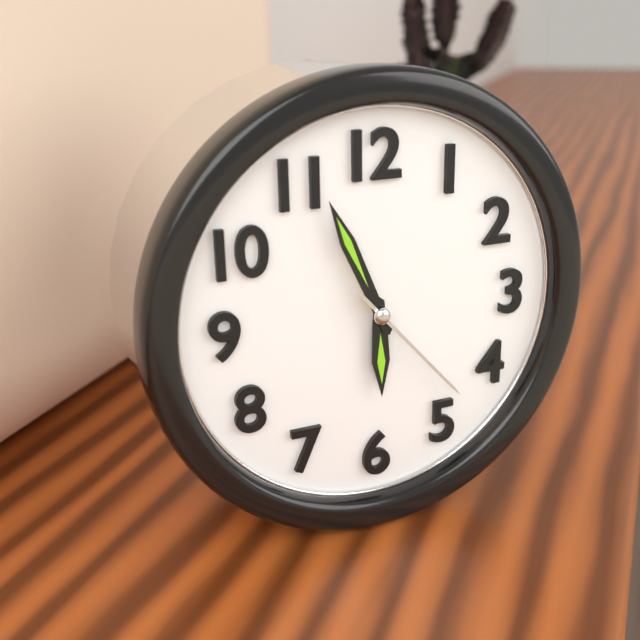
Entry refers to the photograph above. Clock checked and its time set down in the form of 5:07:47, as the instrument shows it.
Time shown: 5:56:23
